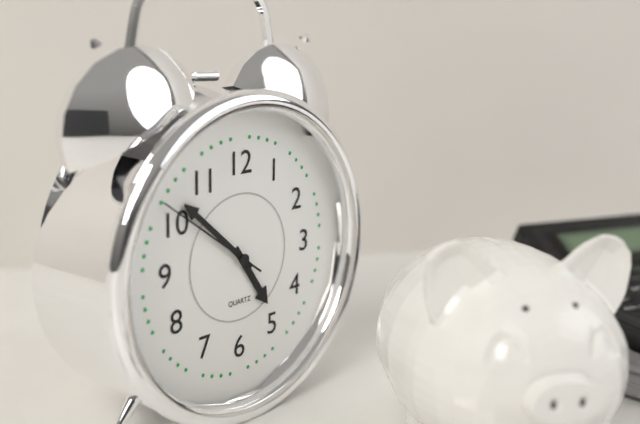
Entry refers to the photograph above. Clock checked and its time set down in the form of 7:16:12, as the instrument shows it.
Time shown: 4:52:51
